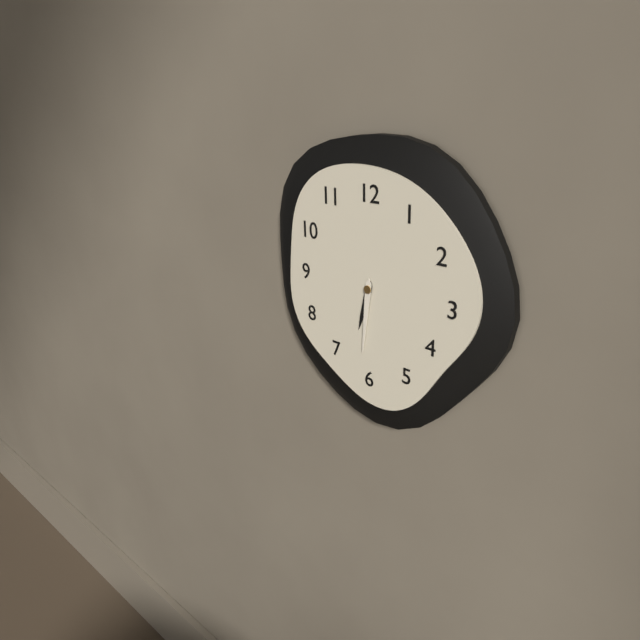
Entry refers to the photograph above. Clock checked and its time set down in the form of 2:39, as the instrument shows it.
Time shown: 6:31
